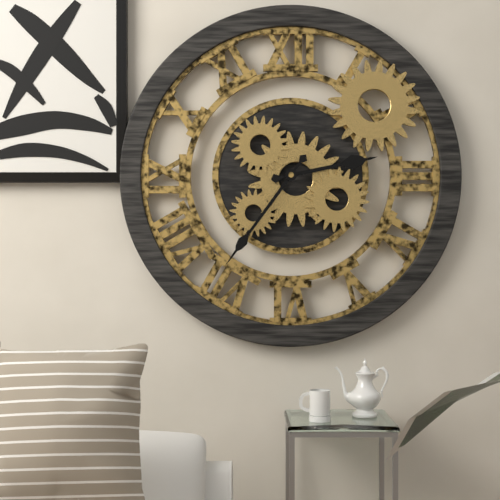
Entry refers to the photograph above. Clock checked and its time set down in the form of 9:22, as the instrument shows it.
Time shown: 2:36
